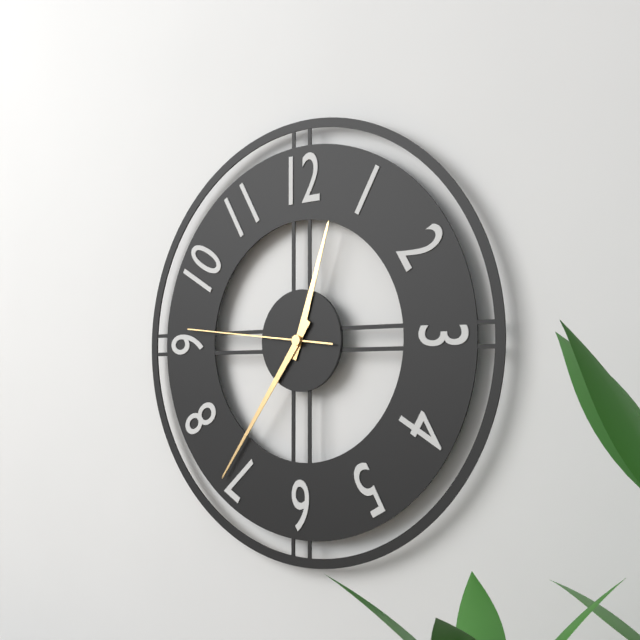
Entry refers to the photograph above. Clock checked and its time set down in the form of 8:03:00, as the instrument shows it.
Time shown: 12:36:46
